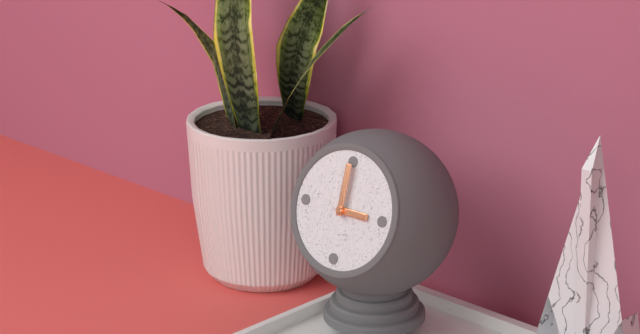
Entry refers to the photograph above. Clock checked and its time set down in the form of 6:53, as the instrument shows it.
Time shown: 3:00
